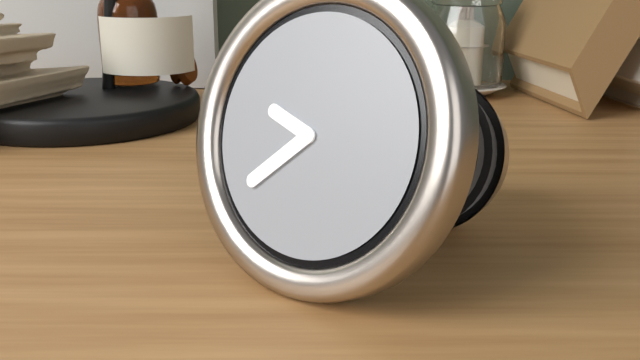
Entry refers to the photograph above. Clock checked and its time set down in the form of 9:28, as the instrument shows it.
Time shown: 9:38
